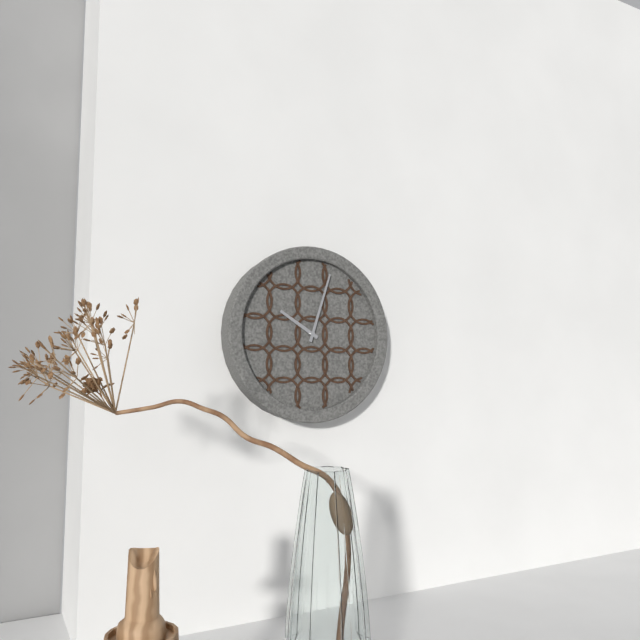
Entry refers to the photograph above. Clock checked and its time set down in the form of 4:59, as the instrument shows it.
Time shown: 10:03
